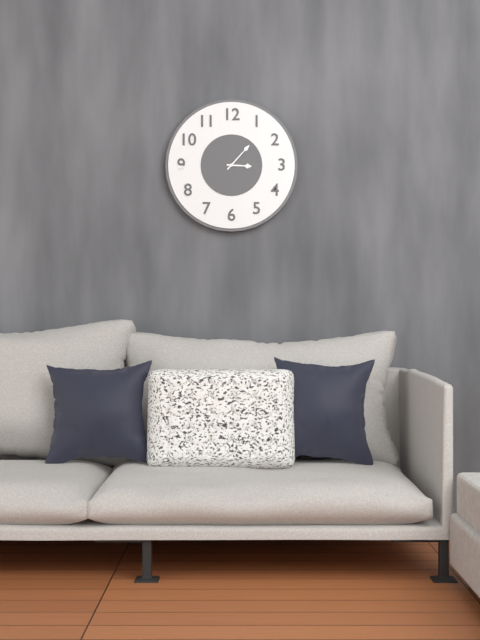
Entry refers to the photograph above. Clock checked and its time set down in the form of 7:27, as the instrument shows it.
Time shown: 3:07
